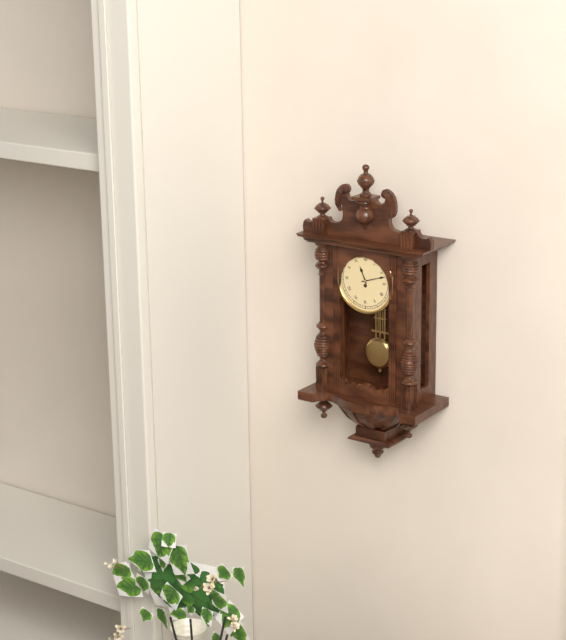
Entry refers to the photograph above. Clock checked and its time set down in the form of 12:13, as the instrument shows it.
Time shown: 11:12
